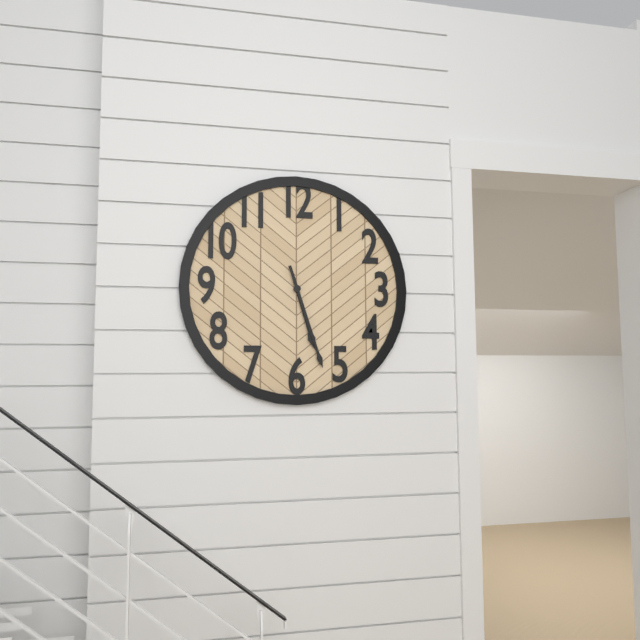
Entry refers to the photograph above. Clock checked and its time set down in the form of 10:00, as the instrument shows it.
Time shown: 5:27
